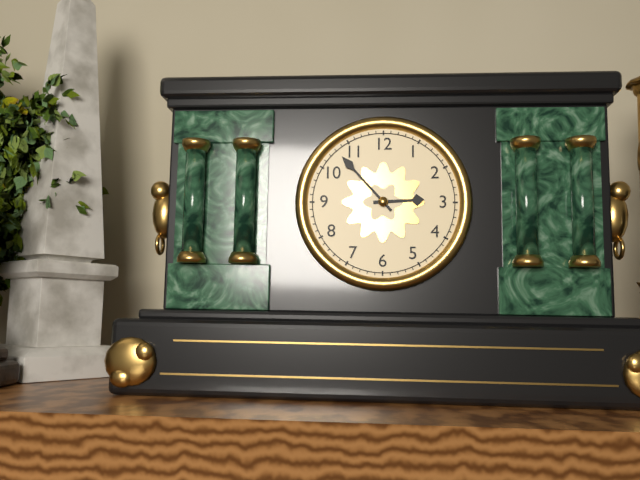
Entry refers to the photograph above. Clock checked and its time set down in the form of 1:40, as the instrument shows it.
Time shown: 2:53
